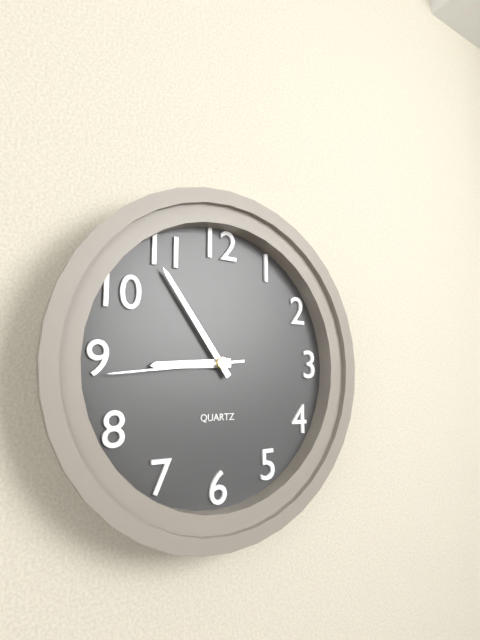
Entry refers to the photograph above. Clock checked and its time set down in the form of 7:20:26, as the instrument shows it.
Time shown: 8:54:44
